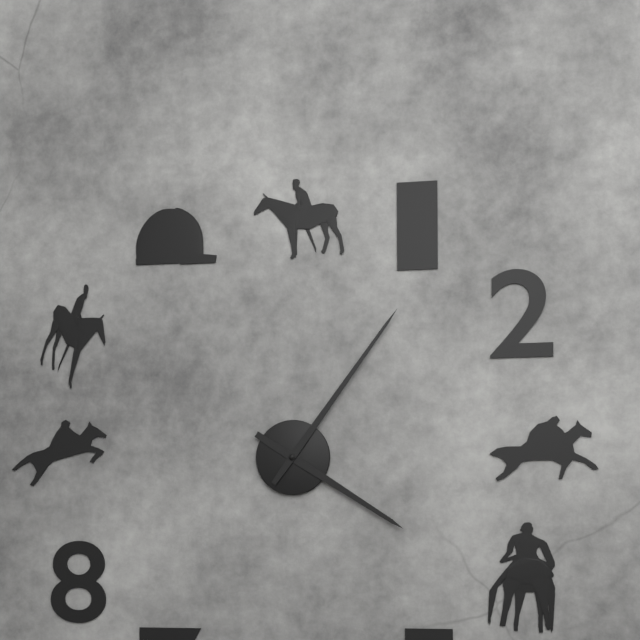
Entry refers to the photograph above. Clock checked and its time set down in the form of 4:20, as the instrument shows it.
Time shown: 4:06
